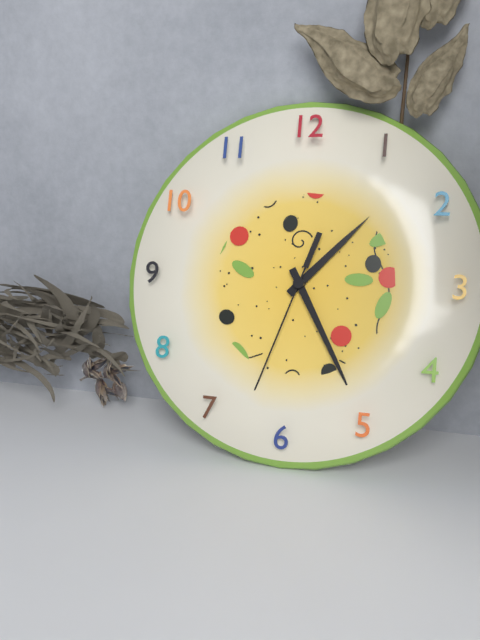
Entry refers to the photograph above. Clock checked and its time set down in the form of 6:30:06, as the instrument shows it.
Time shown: 1:25:33
